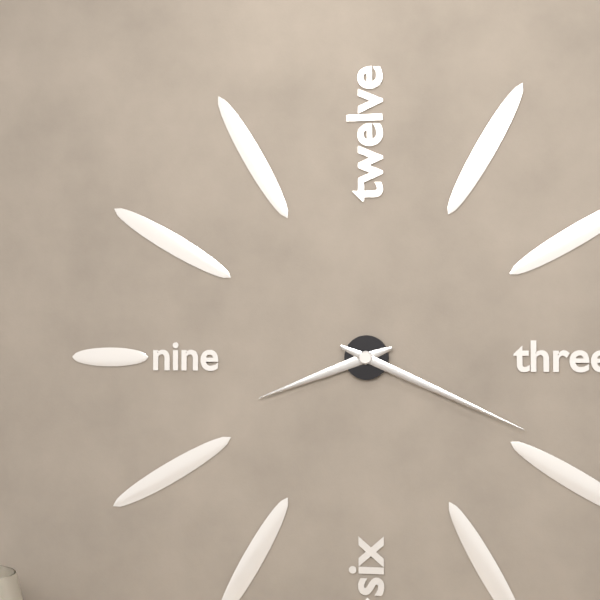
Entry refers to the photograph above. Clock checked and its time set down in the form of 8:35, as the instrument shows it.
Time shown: 8:19
